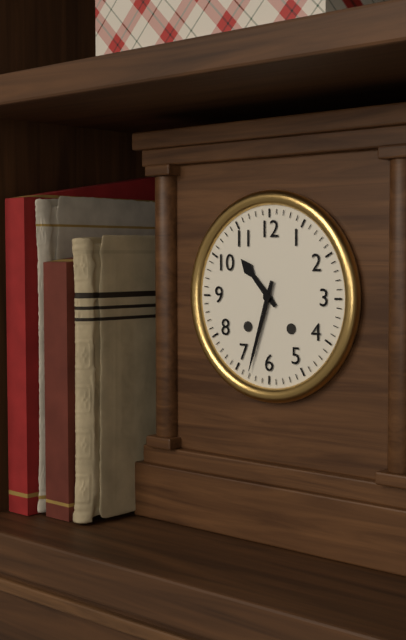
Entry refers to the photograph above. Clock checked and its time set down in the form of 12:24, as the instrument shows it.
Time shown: 10:33
